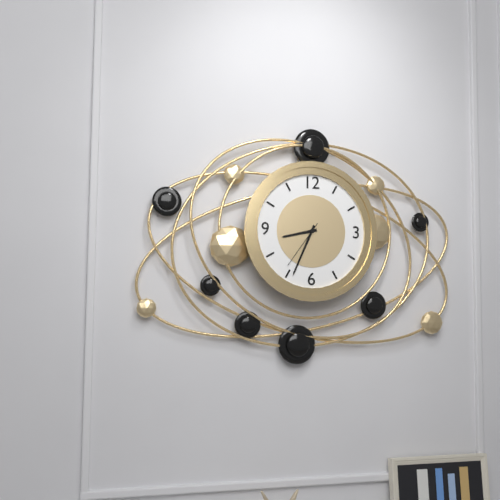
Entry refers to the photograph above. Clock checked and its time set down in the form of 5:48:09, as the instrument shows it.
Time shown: 8:34:36
